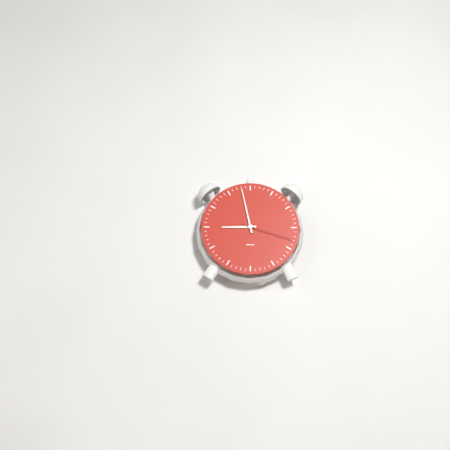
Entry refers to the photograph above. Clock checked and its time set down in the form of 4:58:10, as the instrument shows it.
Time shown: 8:58:18
